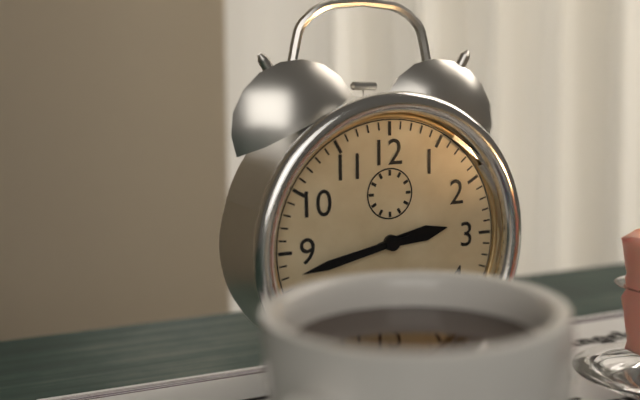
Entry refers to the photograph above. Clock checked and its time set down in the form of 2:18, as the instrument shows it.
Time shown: 2:43
